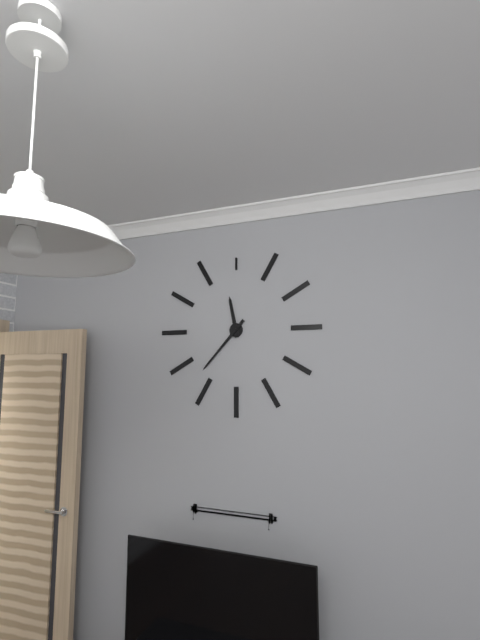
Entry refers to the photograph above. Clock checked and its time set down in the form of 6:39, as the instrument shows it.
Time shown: 11:37
